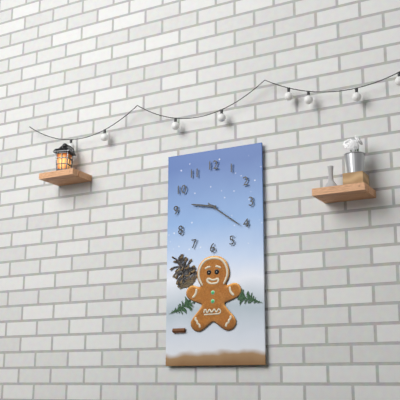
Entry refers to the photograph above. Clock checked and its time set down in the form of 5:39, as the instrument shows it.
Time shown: 9:21
